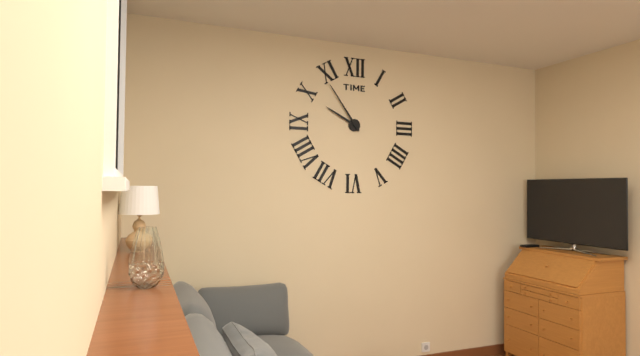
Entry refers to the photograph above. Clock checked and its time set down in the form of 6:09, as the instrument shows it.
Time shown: 9:54
